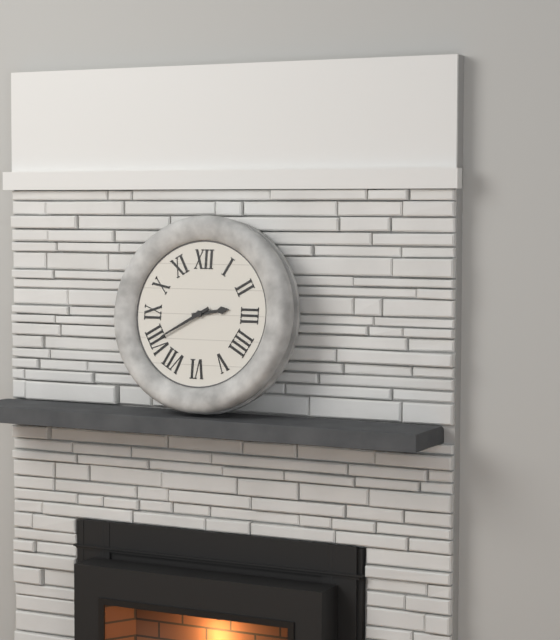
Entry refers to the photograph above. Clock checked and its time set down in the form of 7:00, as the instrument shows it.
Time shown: 2:40
